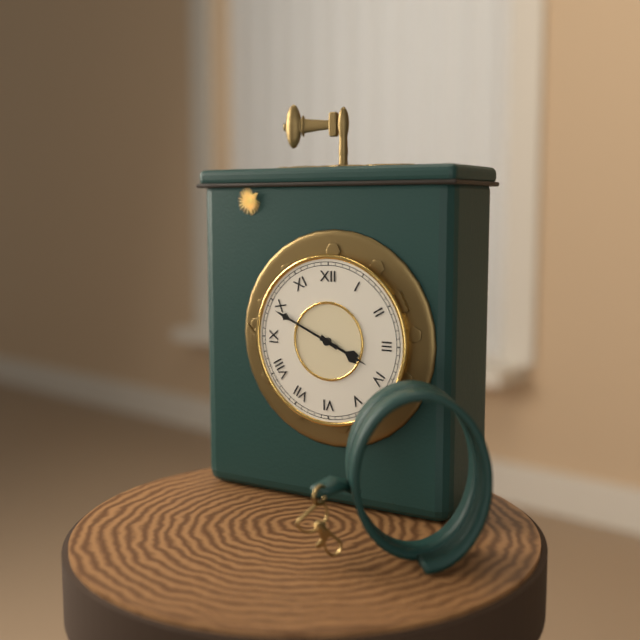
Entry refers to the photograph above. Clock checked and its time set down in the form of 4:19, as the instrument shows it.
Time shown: 3:49
